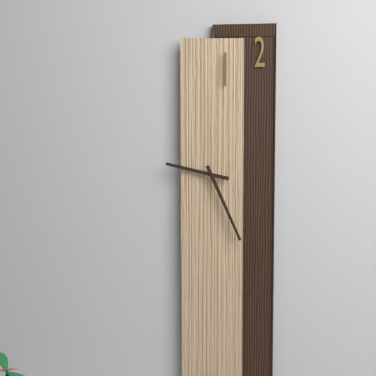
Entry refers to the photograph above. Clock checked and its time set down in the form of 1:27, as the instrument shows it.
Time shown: 9:26
